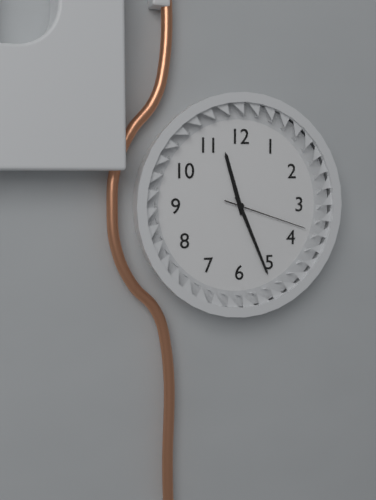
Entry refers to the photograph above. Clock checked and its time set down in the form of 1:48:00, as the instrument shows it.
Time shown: 11:26:18
